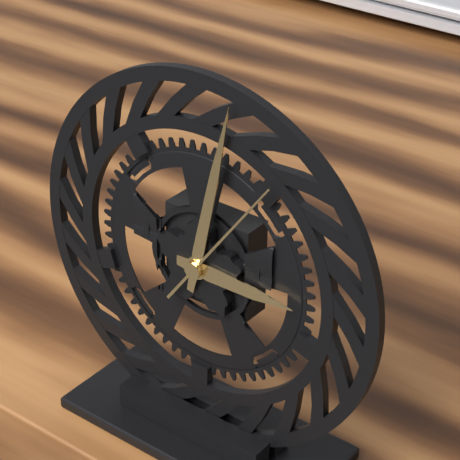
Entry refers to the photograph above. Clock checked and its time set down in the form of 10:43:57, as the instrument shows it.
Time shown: 3:02:06
